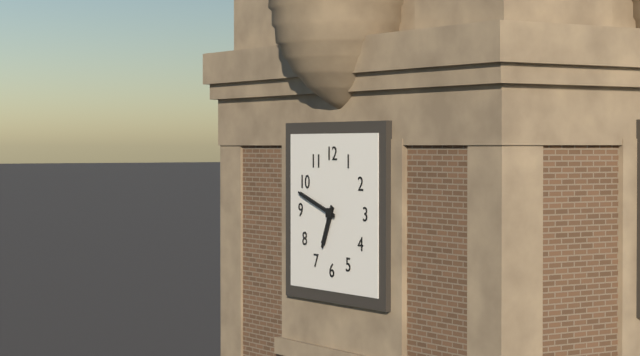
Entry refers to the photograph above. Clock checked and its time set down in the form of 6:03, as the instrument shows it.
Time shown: 6:48
